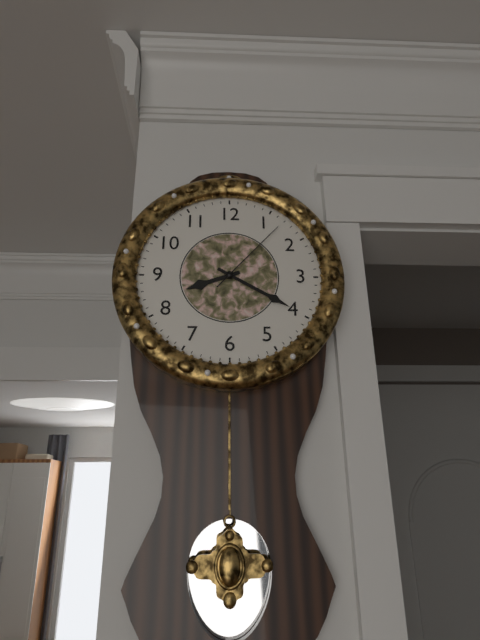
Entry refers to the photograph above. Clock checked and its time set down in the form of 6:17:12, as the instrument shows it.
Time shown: 8:20:07
